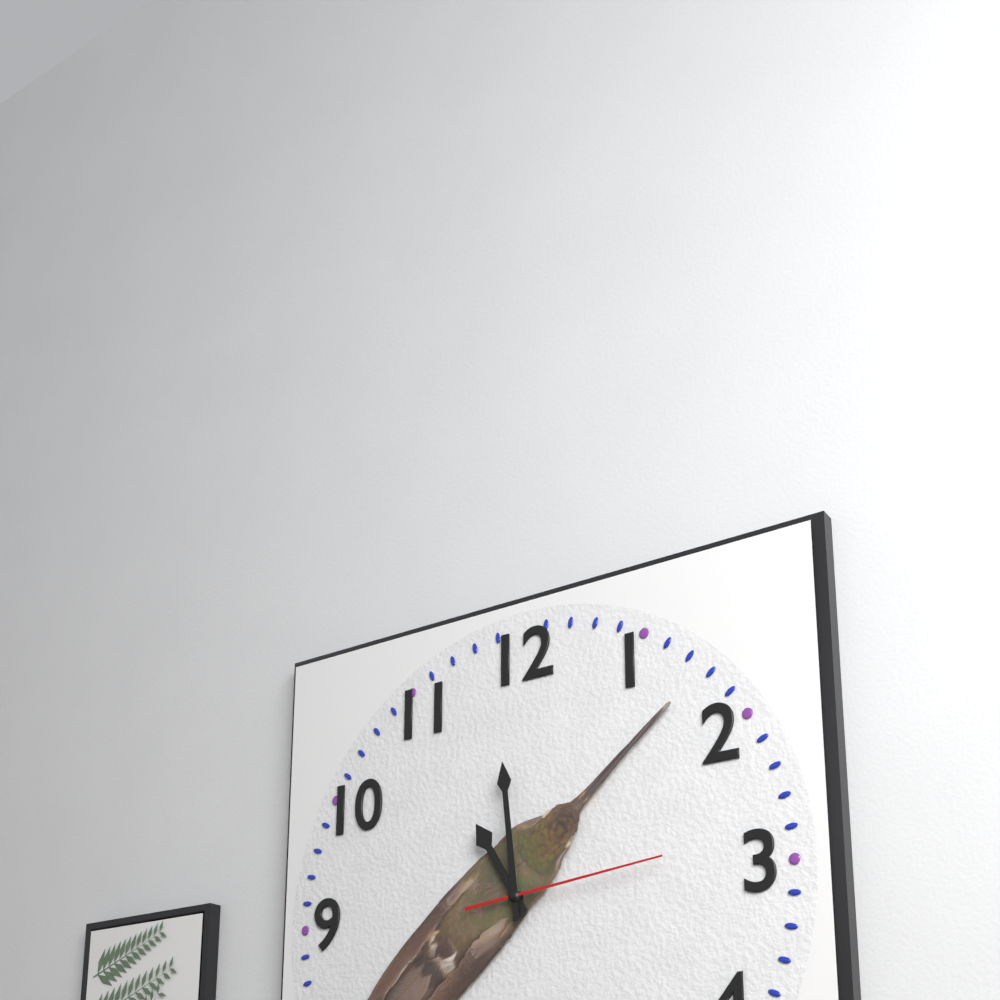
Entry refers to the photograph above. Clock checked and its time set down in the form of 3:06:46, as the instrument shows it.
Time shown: 10:59:14
